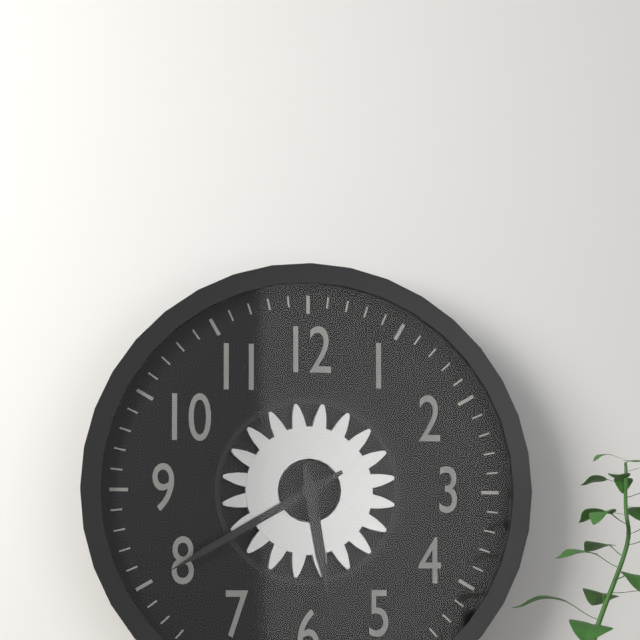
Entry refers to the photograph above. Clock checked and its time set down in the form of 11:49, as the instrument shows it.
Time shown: 5:40
